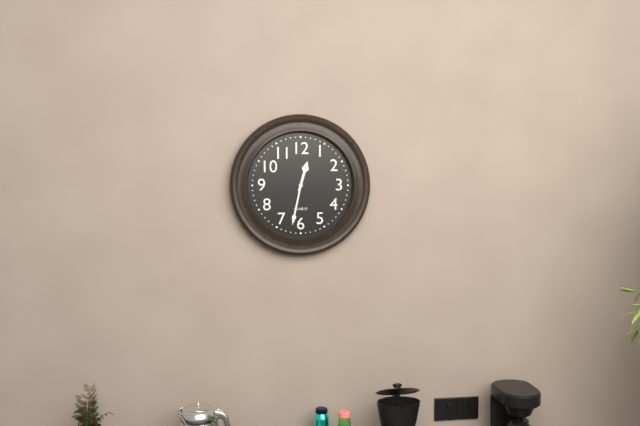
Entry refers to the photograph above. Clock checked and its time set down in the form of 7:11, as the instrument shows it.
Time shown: 12:32
